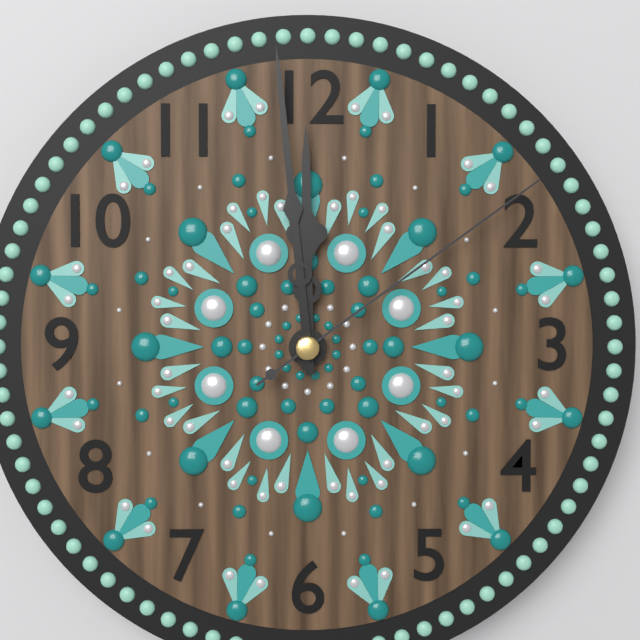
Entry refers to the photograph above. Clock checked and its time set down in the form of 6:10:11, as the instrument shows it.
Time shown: 11:59:09
